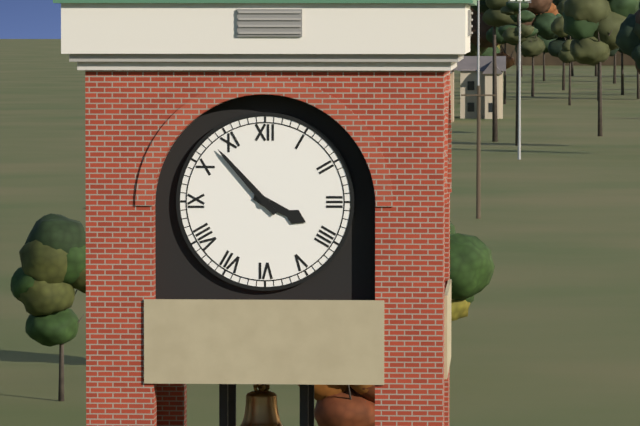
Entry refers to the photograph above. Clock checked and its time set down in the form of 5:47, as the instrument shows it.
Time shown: 3:53
